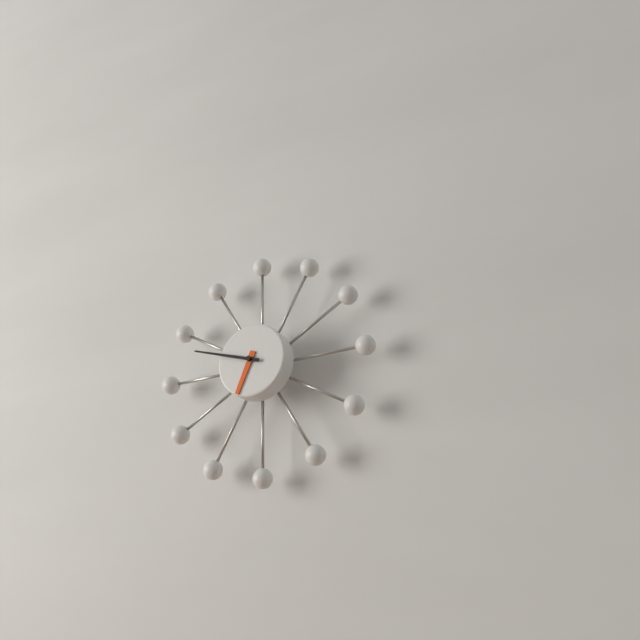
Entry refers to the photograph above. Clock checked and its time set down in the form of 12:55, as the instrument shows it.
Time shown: 6:48
